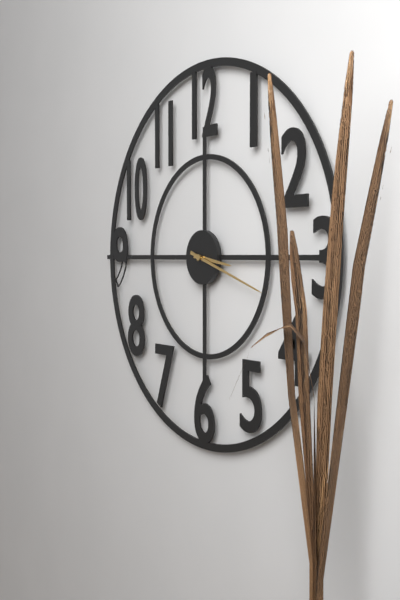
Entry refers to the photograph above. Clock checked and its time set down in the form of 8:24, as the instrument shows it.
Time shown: 3:18
